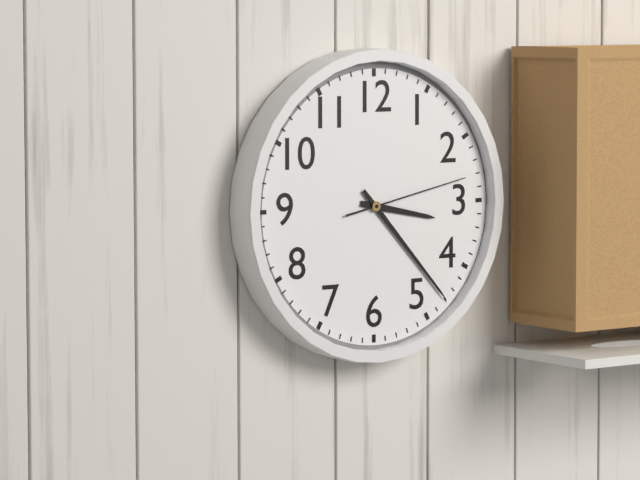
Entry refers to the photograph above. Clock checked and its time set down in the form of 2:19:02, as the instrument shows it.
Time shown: 3:23:13
